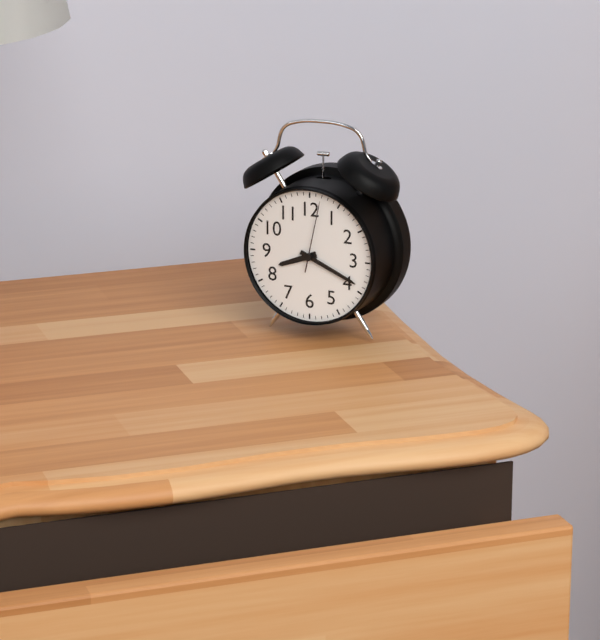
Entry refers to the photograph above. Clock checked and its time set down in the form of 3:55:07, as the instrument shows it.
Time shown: 8:19:02
